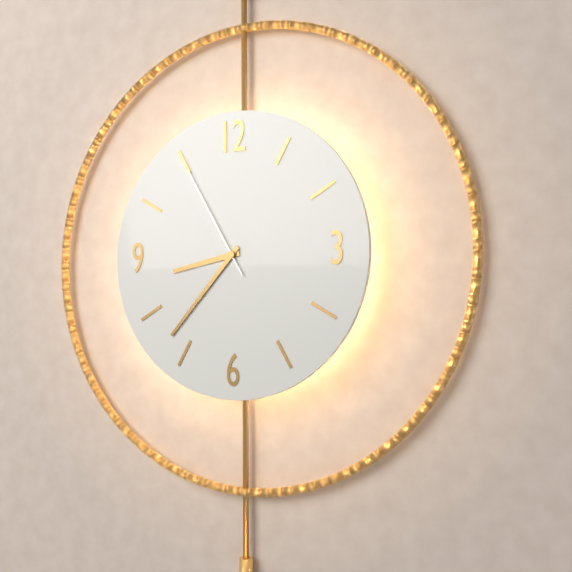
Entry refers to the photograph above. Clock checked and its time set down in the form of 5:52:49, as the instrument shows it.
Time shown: 8:37:55
